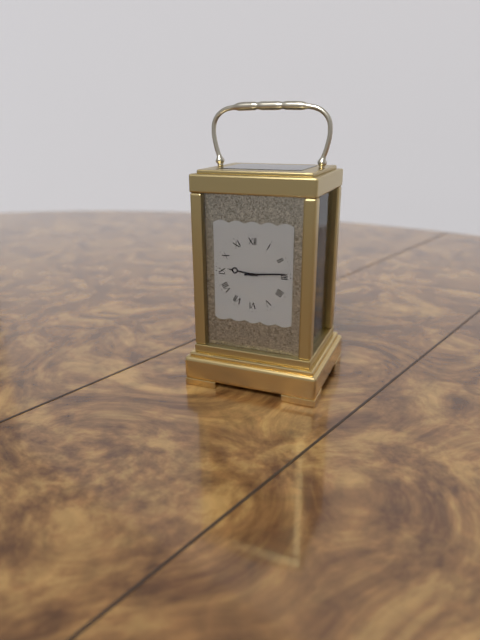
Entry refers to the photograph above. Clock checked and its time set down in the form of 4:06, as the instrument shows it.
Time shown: 9:14
